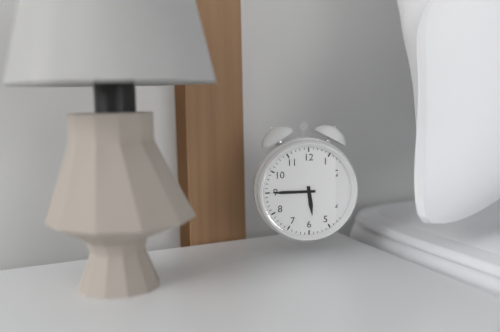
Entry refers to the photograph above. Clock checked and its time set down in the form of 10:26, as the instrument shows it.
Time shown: 5:45
